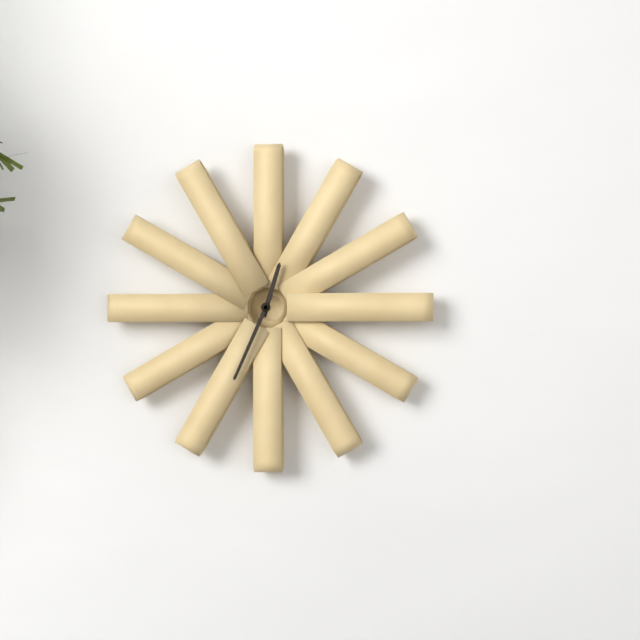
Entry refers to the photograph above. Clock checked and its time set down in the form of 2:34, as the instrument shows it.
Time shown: 12:34
